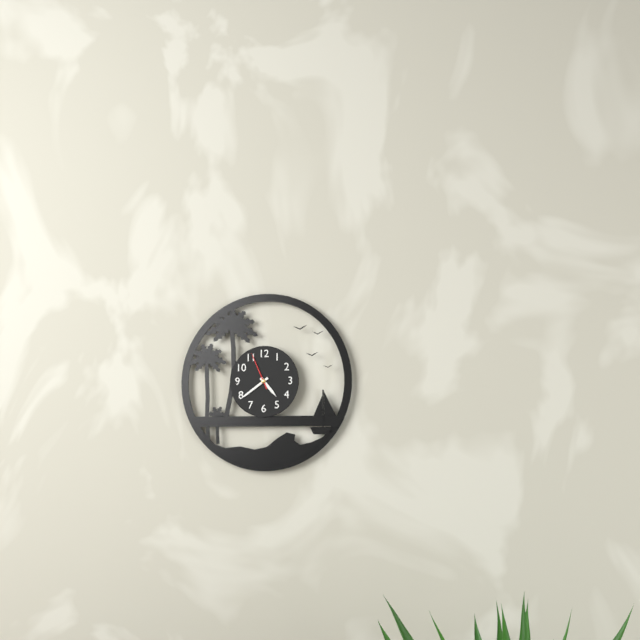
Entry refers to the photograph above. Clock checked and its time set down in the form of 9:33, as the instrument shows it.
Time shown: 4:39
